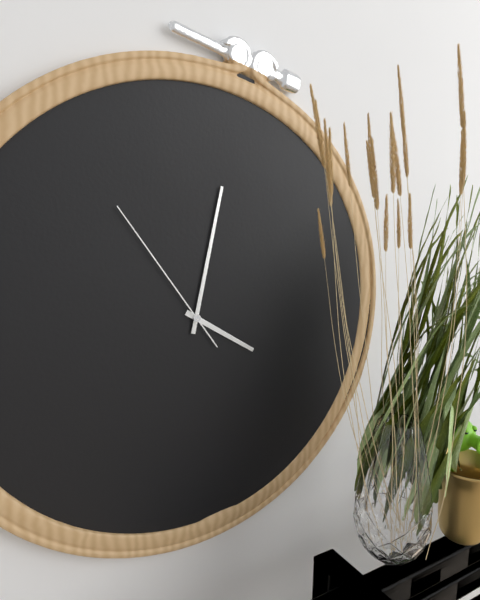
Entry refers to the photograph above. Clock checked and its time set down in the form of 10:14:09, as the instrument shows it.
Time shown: 4:02:54
